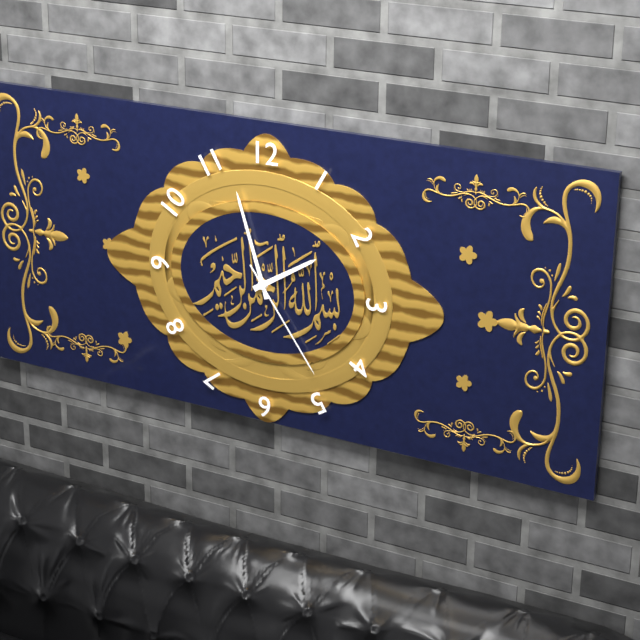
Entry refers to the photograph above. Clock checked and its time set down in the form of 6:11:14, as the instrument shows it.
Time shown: 1:57:24
